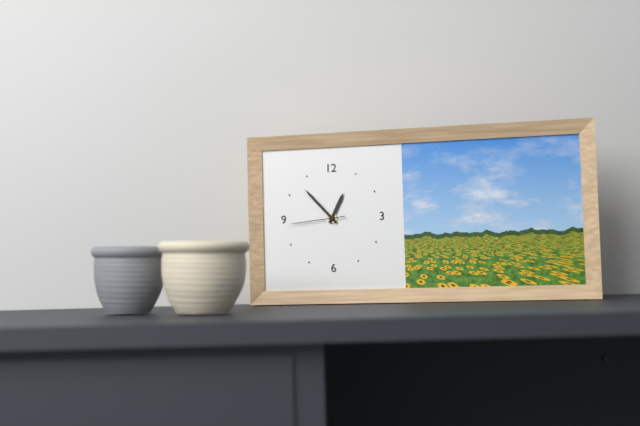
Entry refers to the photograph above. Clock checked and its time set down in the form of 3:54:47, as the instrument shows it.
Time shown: 12:53:44
